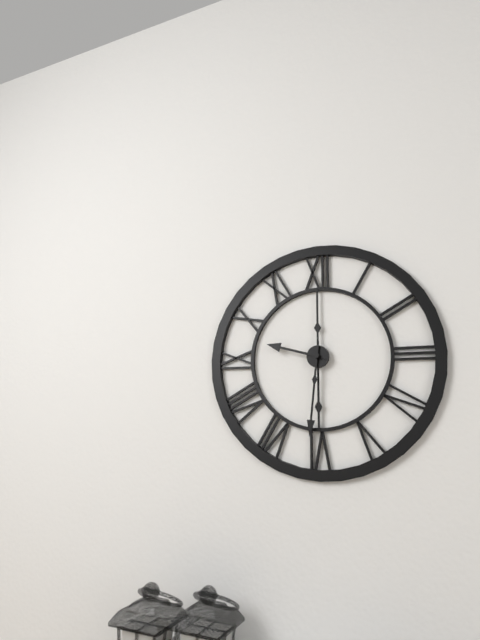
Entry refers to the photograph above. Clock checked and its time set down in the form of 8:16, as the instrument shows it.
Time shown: 9:31
